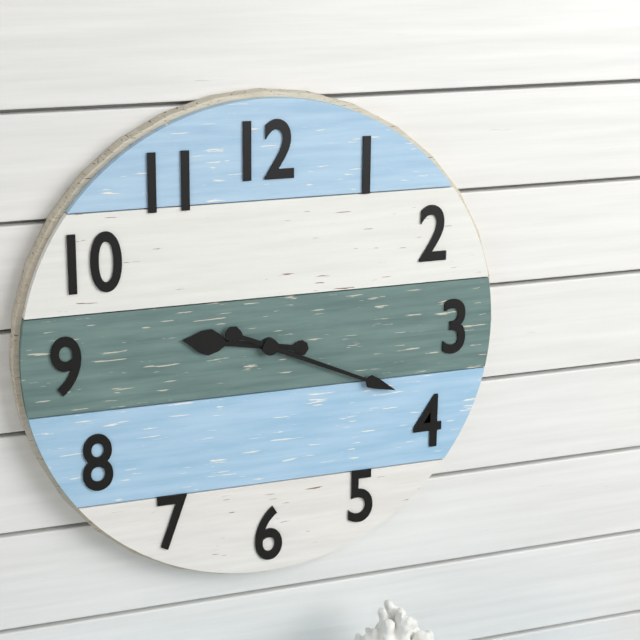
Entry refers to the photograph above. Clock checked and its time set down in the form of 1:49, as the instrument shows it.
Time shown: 9:19
